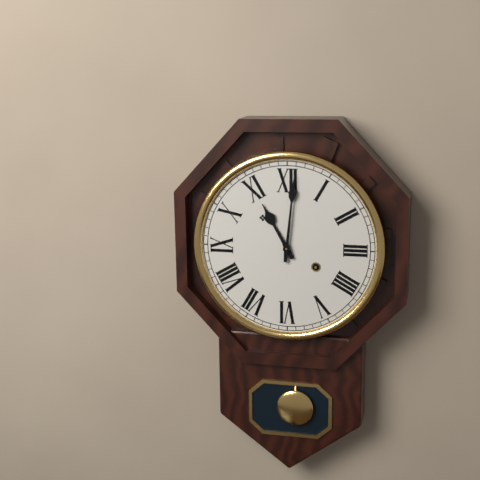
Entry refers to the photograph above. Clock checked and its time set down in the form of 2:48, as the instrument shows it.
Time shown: 11:01
